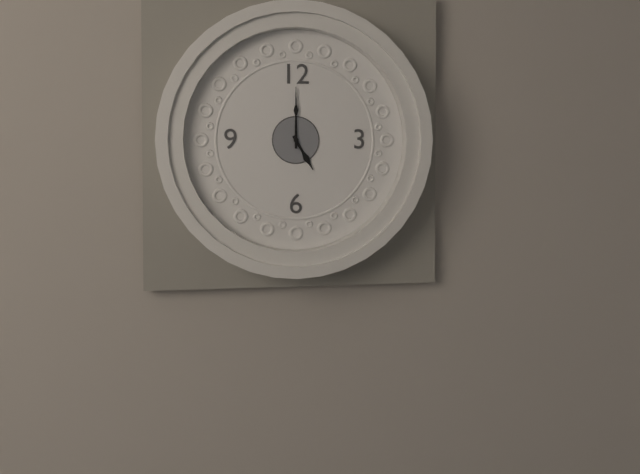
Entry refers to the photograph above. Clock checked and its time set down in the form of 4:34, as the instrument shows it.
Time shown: 5:00
